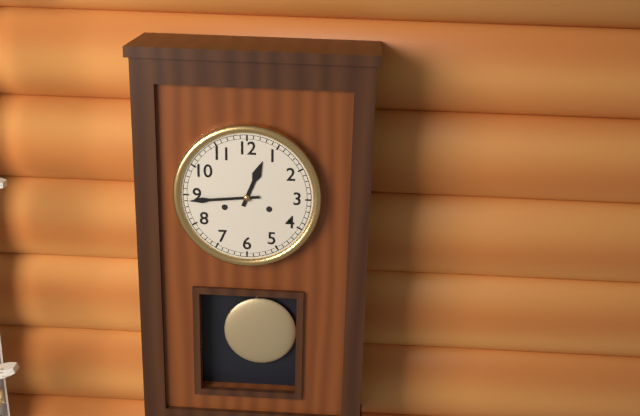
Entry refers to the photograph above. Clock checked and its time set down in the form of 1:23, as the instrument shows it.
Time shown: 12:44
